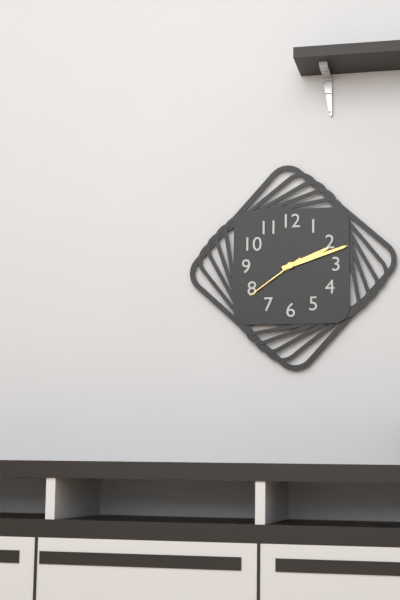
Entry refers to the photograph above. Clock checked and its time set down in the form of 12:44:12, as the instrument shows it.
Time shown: 2:12:39
